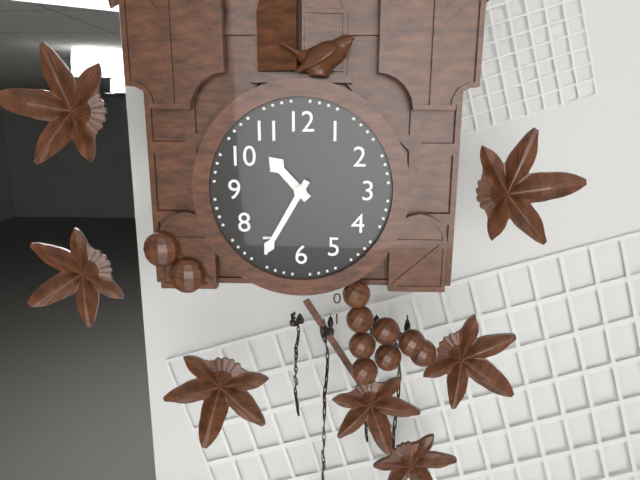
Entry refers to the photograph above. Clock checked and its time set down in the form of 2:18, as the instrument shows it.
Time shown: 10:35
